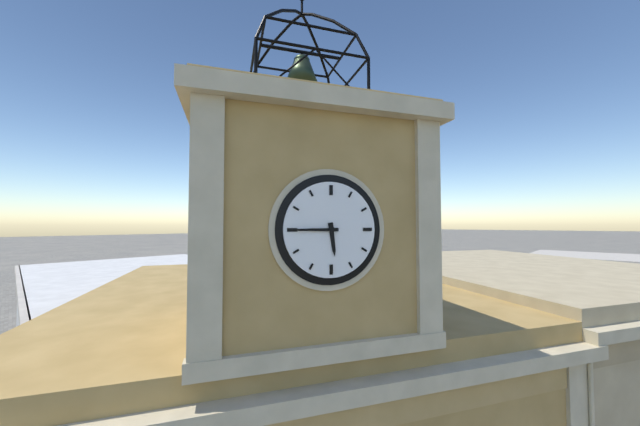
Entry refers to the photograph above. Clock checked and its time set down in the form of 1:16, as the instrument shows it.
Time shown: 5:45
